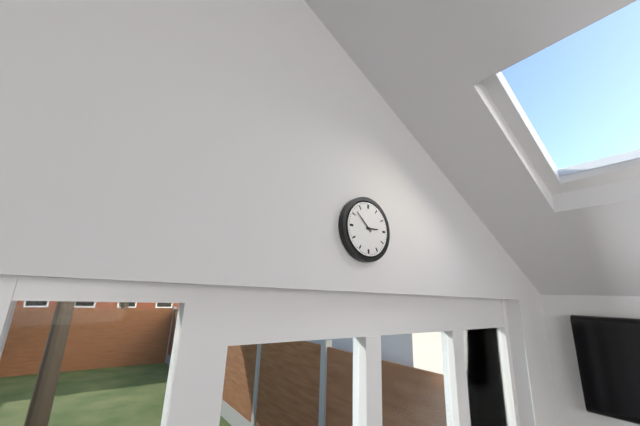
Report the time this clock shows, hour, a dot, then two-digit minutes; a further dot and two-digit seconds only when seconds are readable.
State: 2.52
